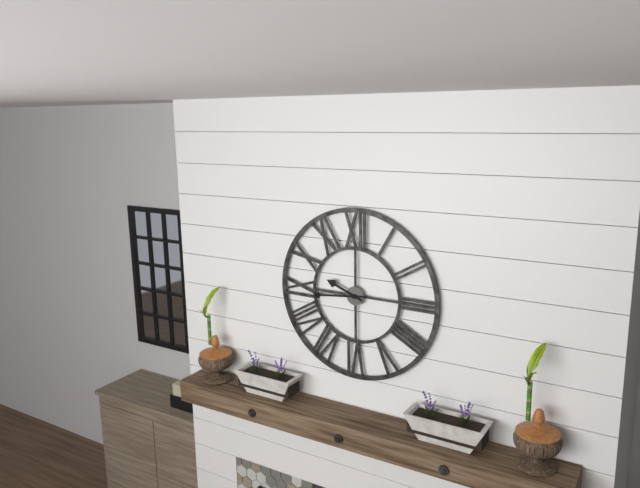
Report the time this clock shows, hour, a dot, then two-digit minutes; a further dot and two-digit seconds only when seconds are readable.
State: 9.44
